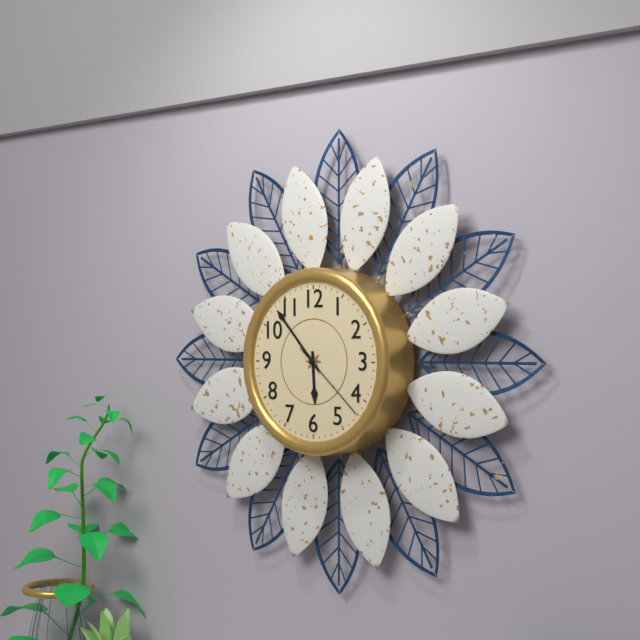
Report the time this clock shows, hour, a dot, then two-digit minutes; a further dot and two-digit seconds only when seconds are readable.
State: 5.53.22
